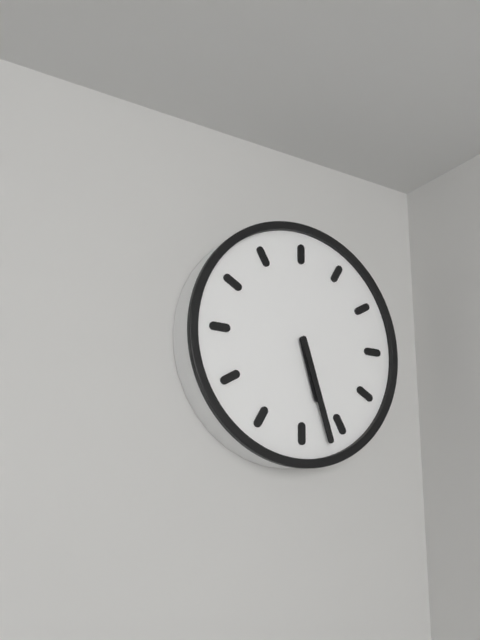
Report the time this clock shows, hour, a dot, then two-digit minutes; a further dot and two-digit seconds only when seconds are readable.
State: 5.27
